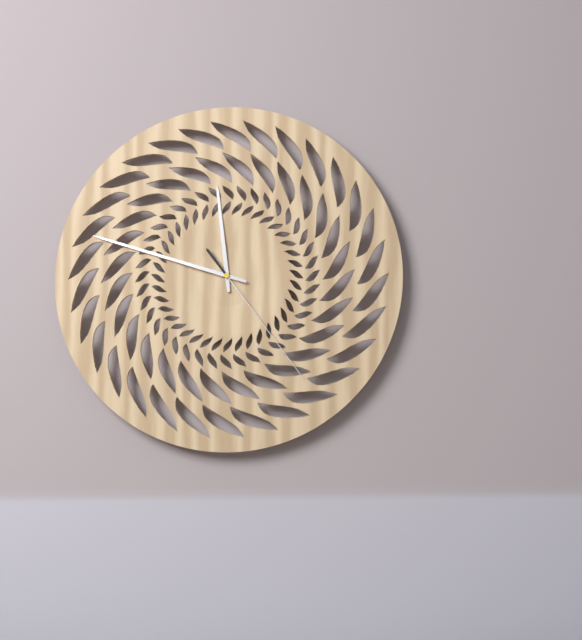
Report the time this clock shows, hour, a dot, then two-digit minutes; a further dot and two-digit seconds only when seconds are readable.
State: 11.48.24
